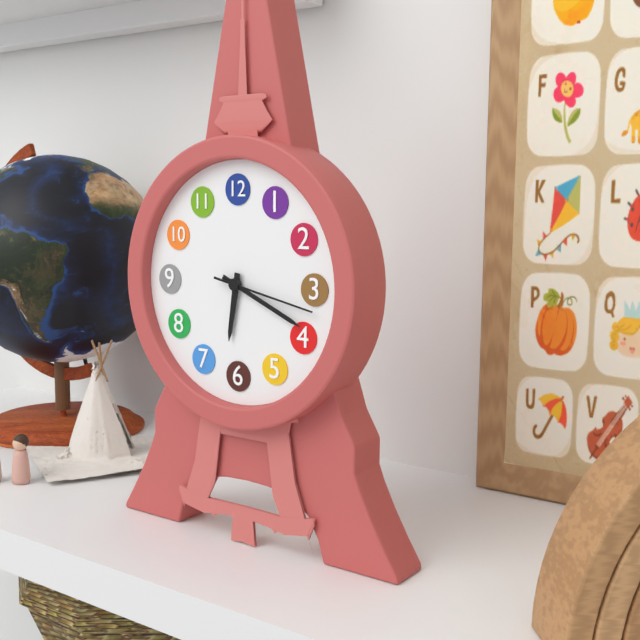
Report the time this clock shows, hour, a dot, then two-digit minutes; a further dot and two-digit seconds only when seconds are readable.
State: 6.19.17
